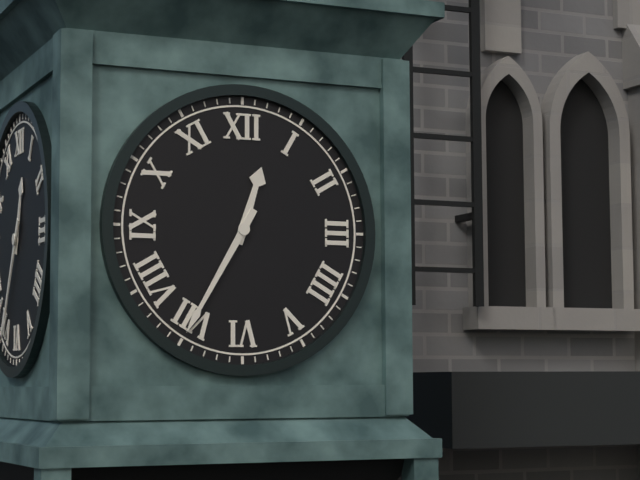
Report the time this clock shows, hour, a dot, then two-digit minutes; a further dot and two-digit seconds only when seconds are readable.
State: 12.35
